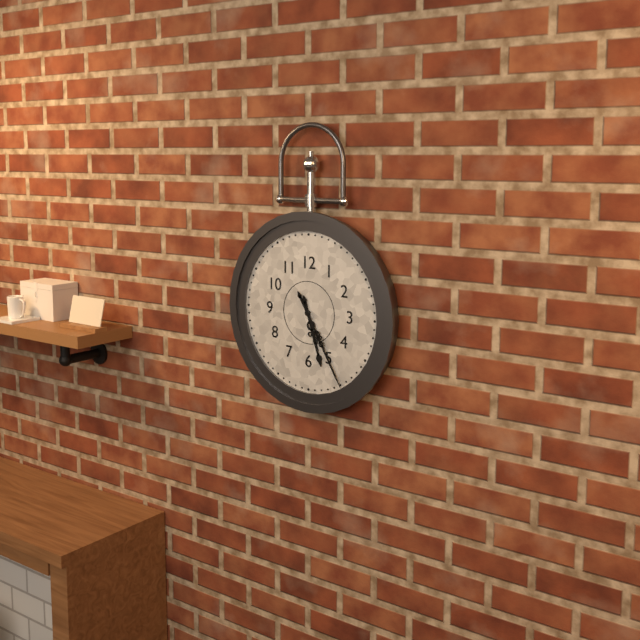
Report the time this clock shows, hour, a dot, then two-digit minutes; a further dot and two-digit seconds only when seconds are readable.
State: 5.25
